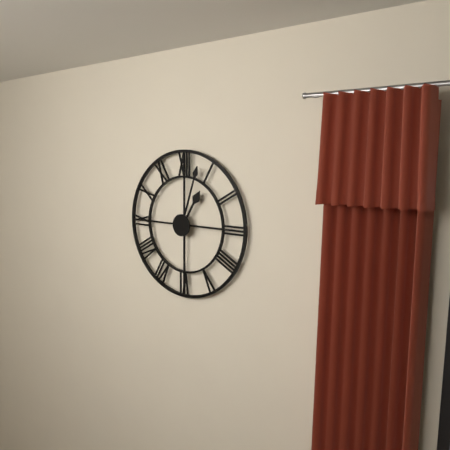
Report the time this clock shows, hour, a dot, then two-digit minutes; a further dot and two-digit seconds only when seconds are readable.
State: 1.03
